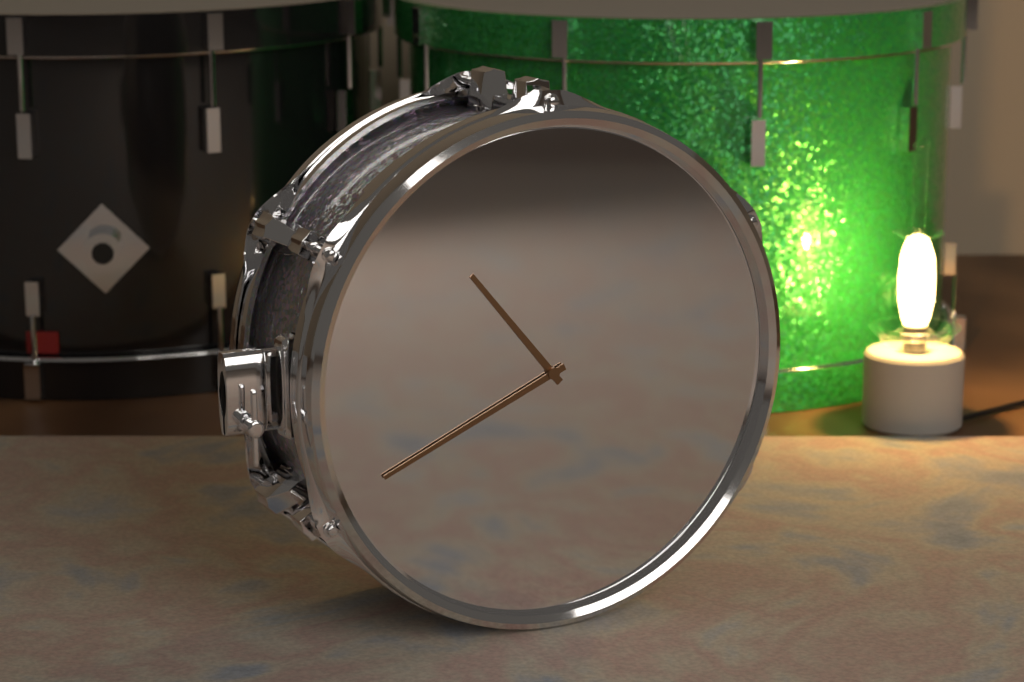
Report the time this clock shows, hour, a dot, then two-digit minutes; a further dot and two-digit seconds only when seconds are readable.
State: 10.41
